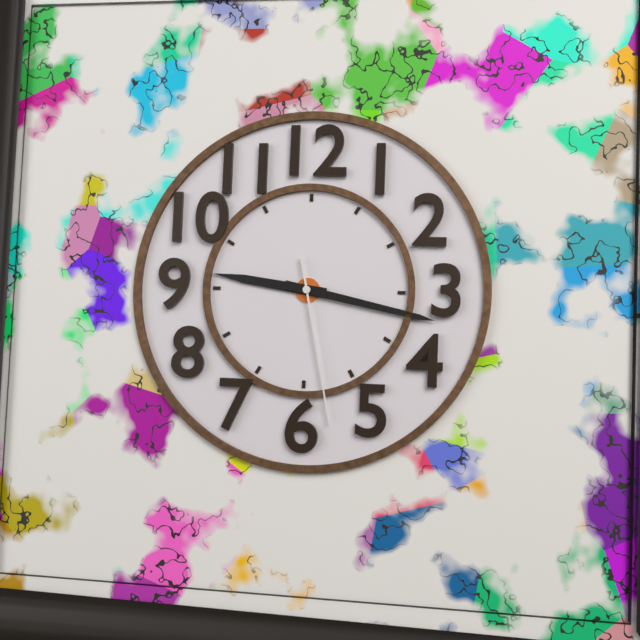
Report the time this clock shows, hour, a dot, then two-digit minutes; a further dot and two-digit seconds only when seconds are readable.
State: 9.17.28
